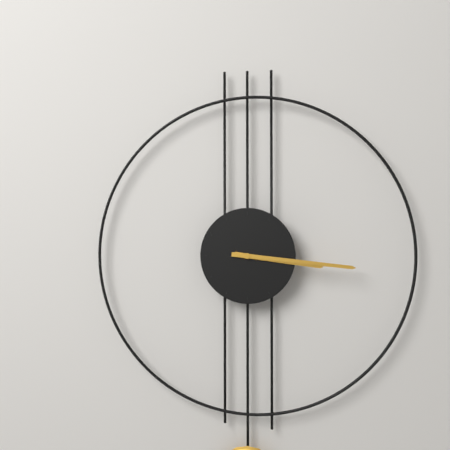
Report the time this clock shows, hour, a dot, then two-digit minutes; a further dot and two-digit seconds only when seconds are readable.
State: 3.16
